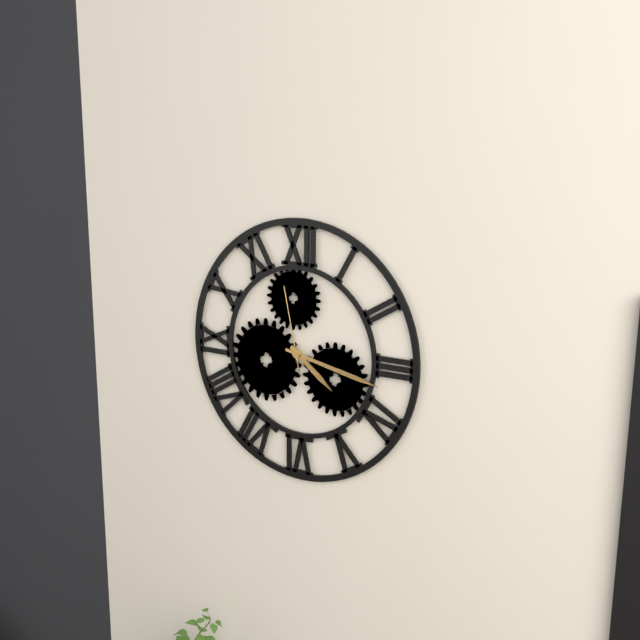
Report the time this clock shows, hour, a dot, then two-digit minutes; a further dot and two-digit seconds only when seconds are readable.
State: 4.17.58
